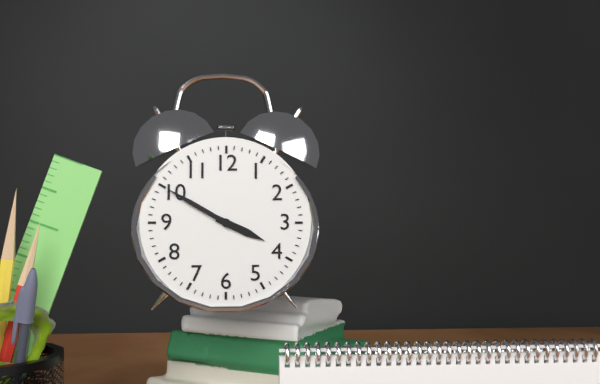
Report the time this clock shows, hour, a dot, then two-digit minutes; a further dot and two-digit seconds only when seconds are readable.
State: 3.50
